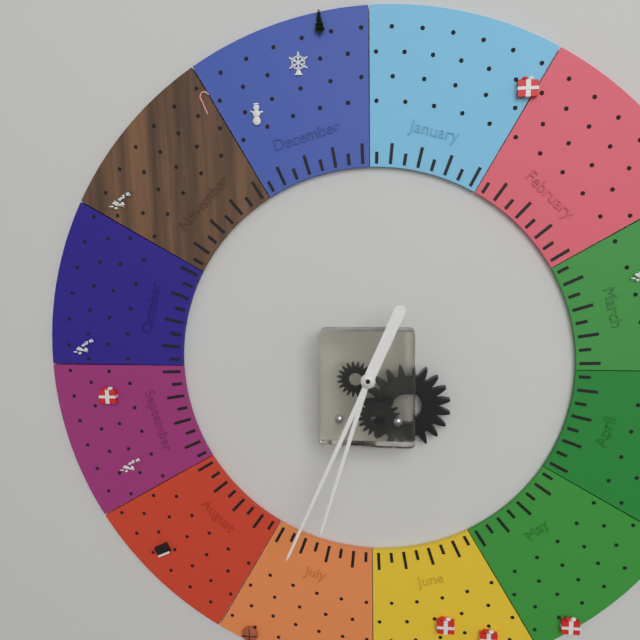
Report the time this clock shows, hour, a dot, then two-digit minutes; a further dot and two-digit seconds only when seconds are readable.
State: 6.34
